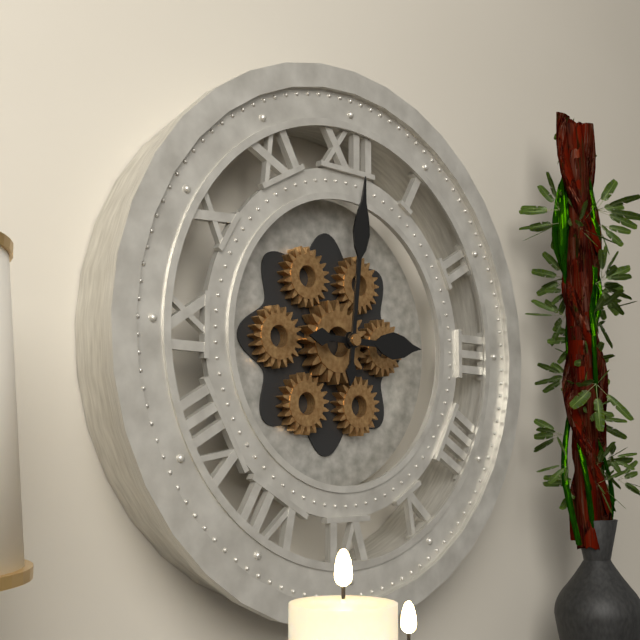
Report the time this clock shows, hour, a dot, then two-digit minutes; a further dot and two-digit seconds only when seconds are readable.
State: 3.01
